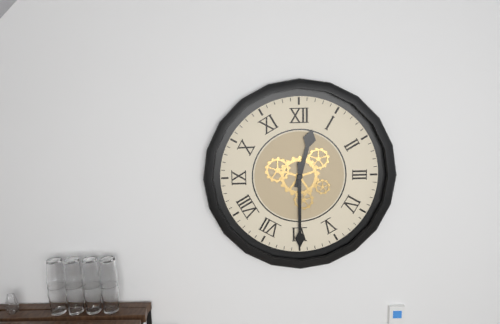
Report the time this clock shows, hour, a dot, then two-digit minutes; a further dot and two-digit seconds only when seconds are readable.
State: 12.30
